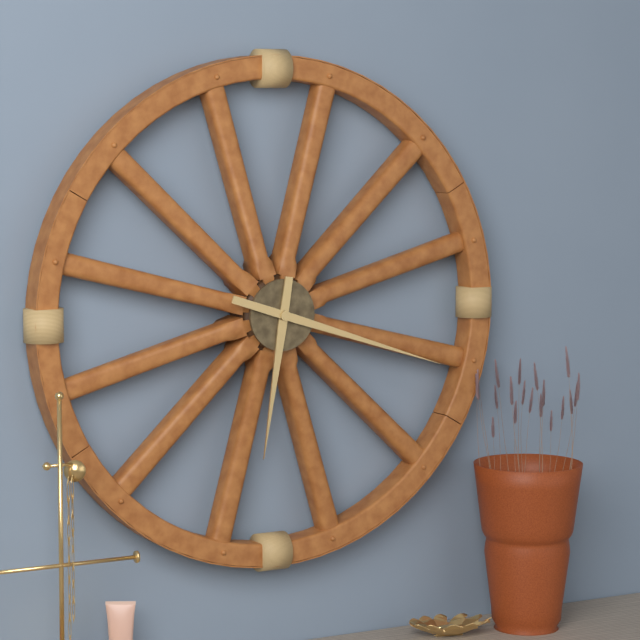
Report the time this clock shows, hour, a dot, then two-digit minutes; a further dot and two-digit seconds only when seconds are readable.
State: 6.18
